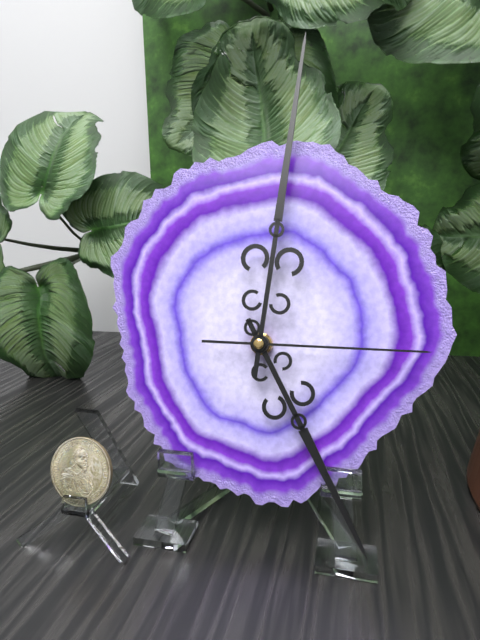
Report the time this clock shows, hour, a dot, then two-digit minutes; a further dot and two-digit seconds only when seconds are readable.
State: 5.01.15
